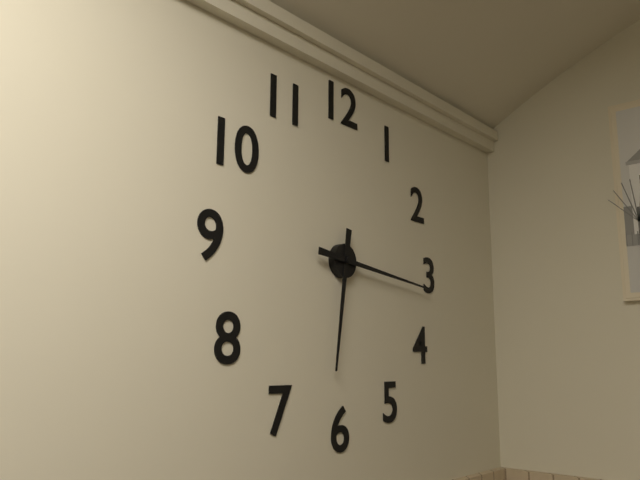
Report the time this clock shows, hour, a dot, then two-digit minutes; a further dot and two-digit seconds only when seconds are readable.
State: 6.16
